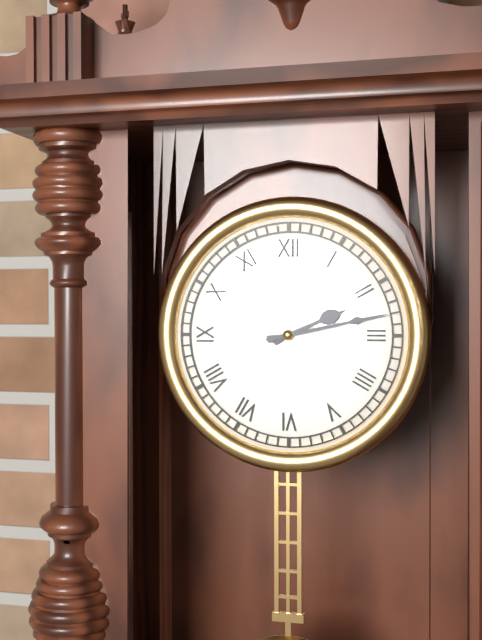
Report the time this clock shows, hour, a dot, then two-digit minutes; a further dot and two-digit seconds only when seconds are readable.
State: 2.13
